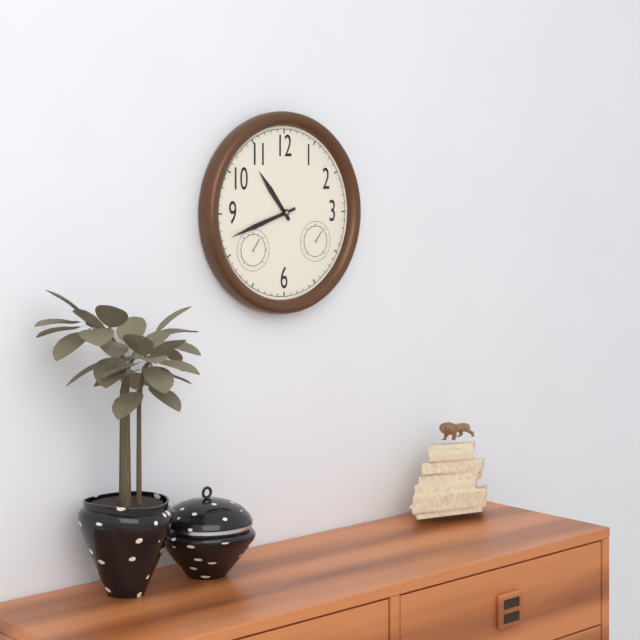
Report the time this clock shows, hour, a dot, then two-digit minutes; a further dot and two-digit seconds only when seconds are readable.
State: 10.42
